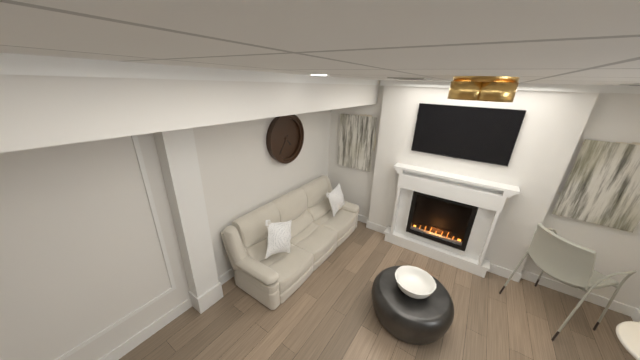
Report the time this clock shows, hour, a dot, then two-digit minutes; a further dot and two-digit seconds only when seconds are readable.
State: 4.36
